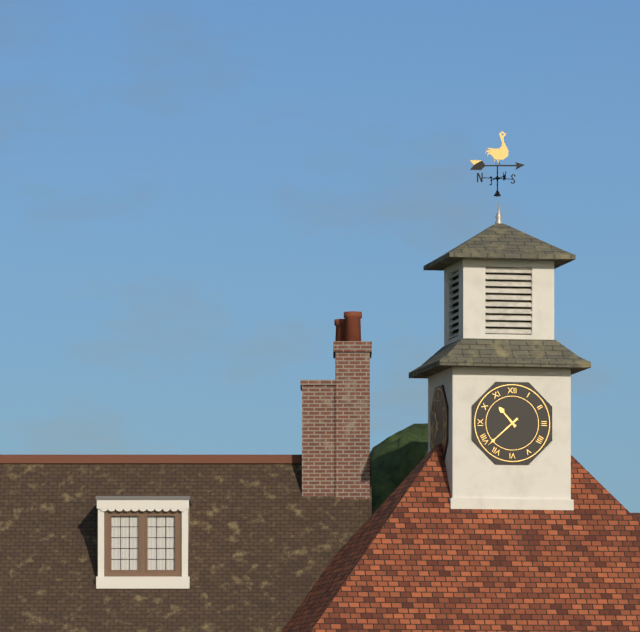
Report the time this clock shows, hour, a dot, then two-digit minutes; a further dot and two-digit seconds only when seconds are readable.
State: 10.38
